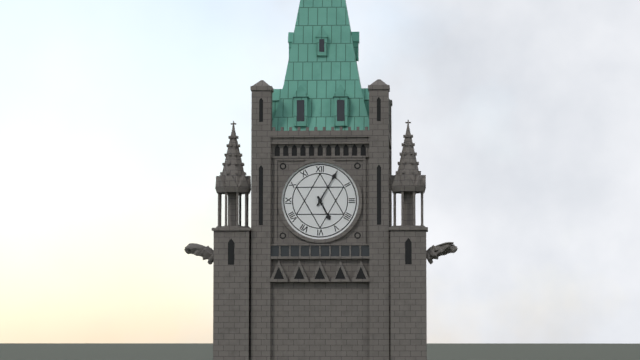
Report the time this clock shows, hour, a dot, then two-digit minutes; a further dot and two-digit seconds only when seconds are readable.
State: 5.05
